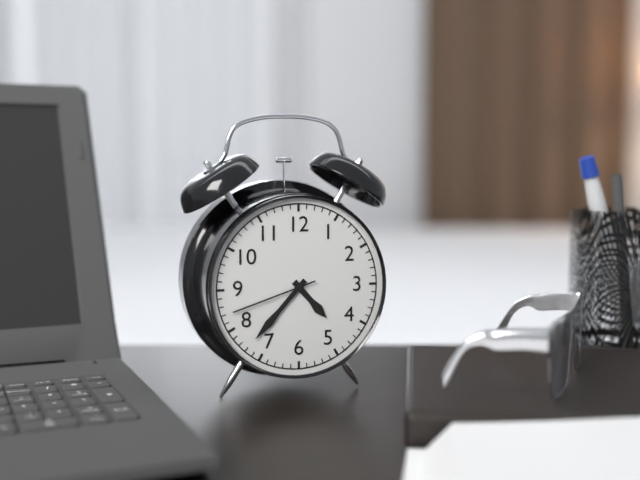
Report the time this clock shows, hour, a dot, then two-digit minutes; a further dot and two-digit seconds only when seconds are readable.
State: 4.37.42
